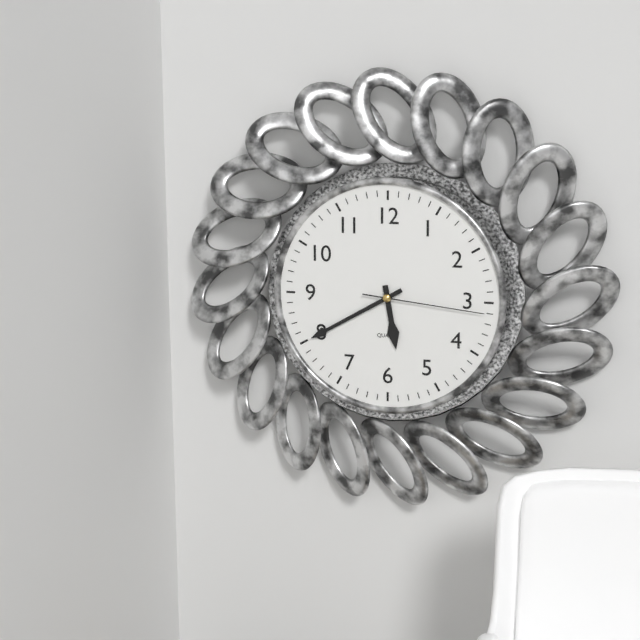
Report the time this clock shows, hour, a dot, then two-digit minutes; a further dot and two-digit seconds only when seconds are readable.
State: 5.40.16
